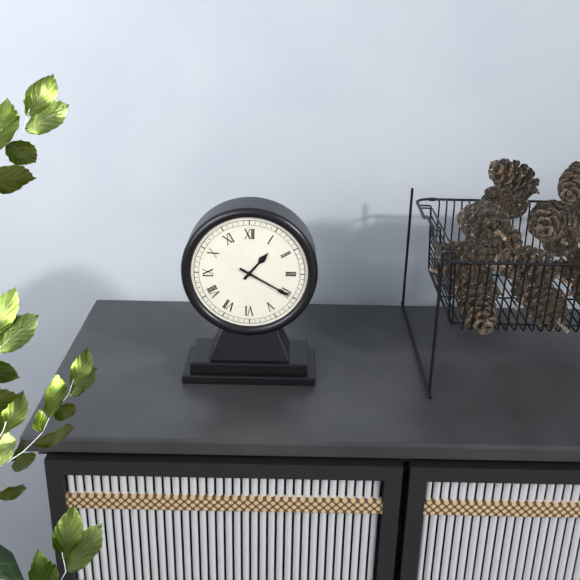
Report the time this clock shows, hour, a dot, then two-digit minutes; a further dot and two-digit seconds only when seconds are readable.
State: 1.20
